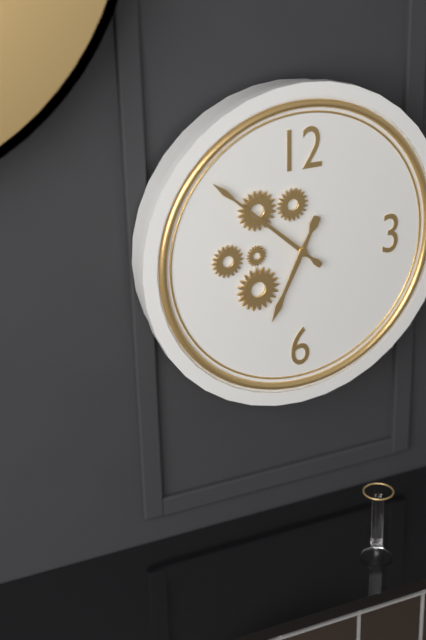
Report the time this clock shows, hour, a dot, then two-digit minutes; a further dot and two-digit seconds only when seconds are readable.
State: 6.52
